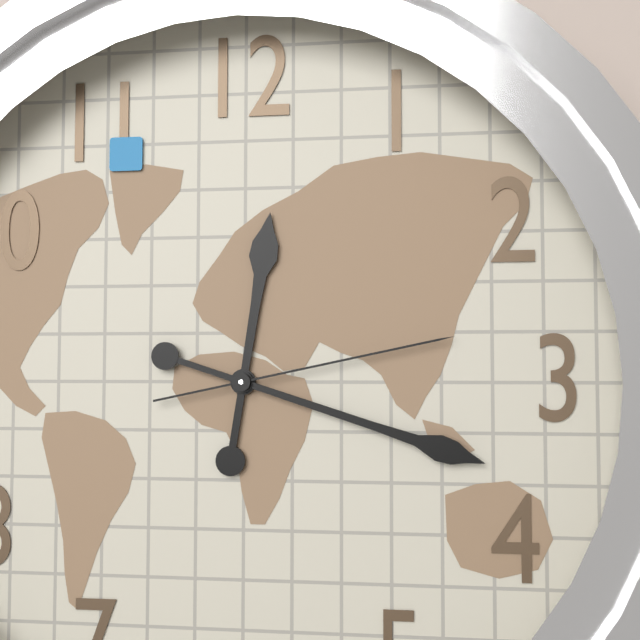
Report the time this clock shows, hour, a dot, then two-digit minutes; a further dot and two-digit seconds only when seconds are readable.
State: 12.18.13
